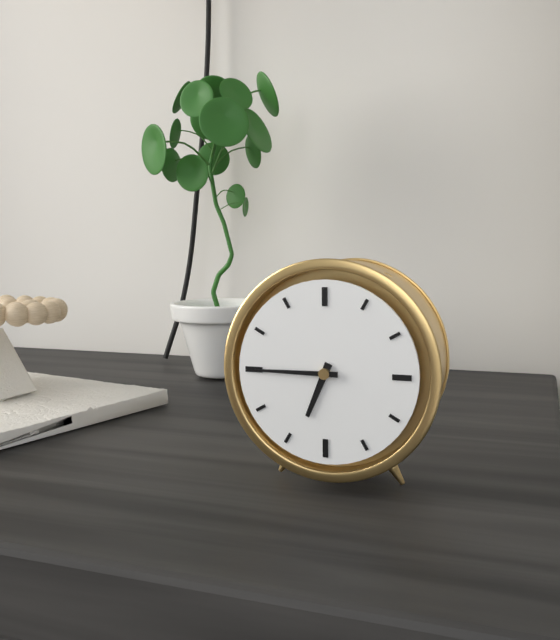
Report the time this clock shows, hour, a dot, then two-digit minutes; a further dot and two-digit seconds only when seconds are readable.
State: 6.45
